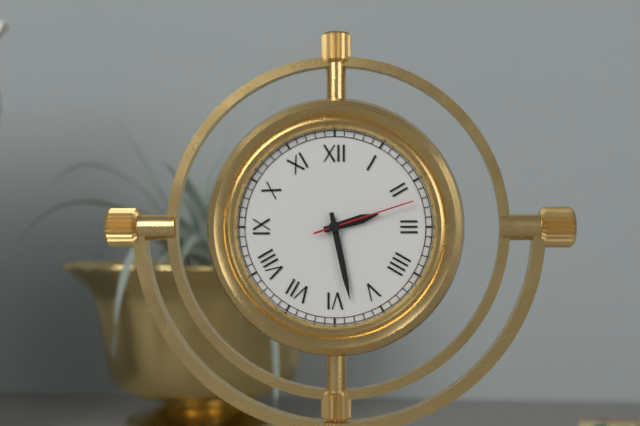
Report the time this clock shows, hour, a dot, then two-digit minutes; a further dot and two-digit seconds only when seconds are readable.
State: 2.28.12
